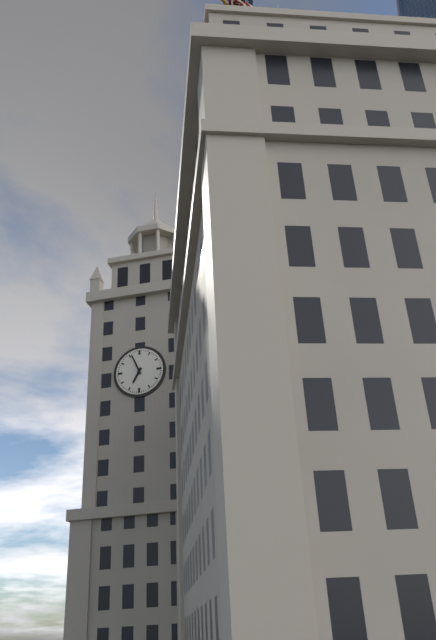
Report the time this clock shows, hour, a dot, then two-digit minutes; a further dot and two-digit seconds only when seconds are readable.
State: 6.56
